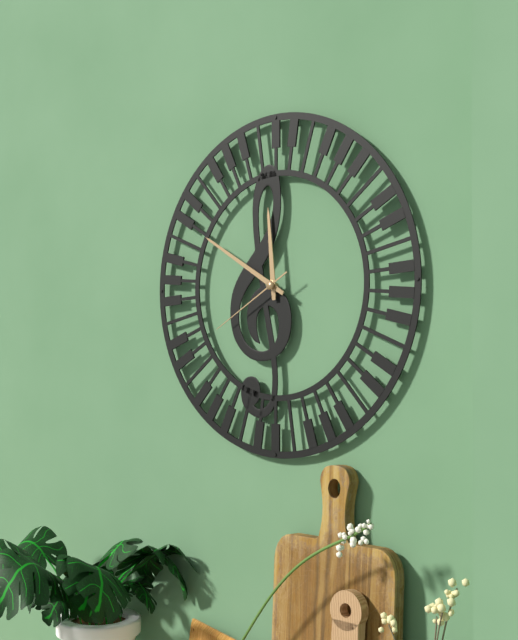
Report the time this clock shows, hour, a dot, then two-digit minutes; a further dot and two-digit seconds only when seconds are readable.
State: 11.50.40
